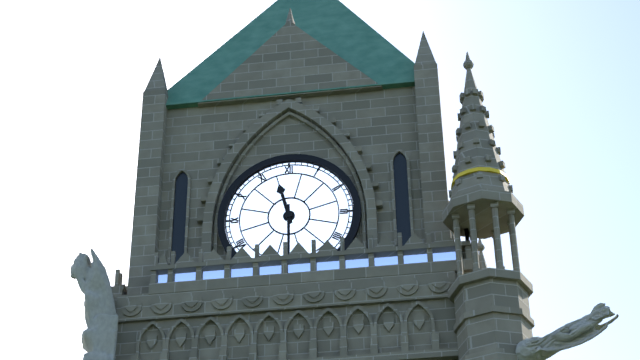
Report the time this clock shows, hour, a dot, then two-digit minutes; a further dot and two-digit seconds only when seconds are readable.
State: 11.30
